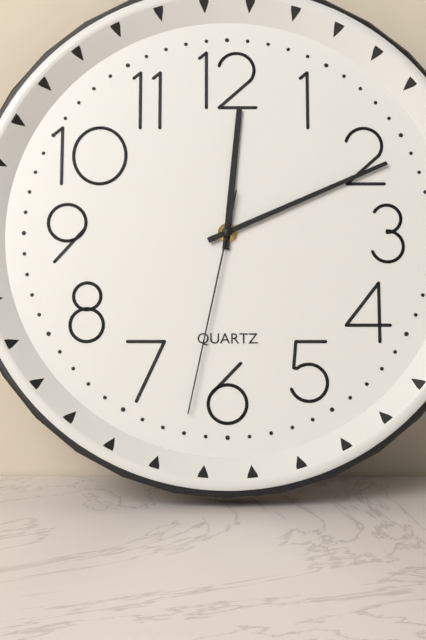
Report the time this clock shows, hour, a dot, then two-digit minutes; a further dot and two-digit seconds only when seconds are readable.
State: 12.11.32
